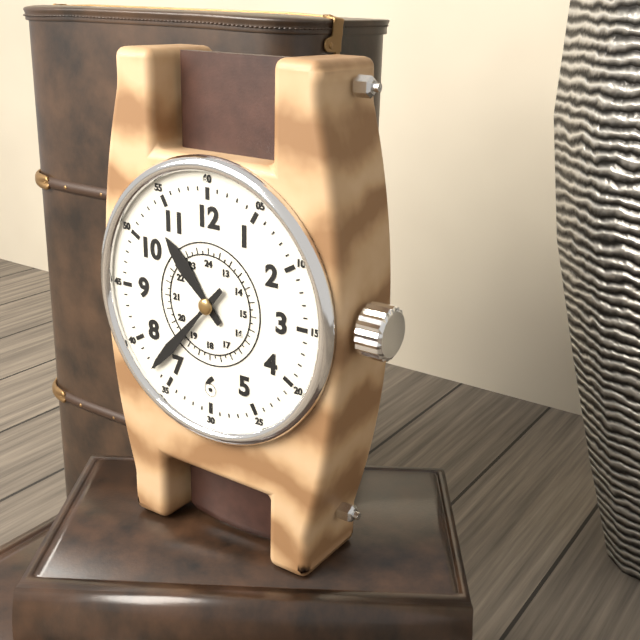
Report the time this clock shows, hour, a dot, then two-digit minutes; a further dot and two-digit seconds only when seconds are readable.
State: 10.37
